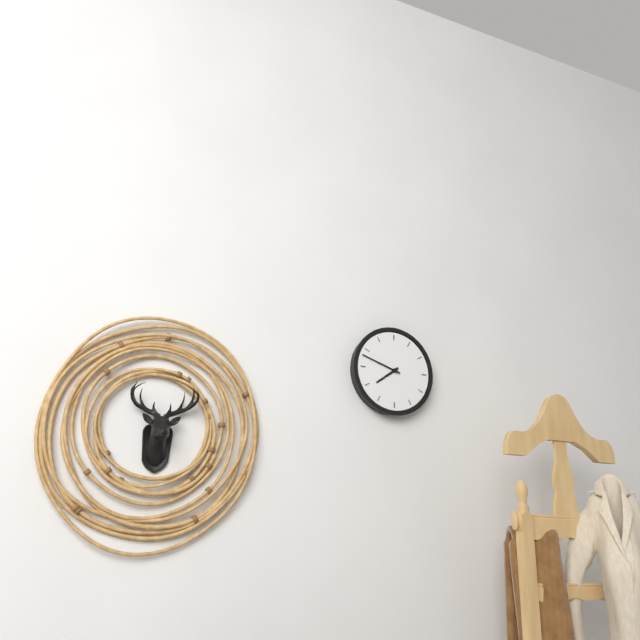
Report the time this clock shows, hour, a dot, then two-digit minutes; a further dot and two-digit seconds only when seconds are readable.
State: 7.48
